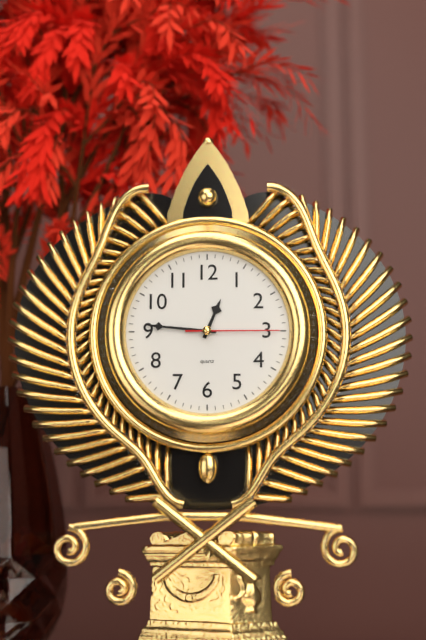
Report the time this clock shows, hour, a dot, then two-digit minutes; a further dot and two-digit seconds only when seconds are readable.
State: 12.46.15
